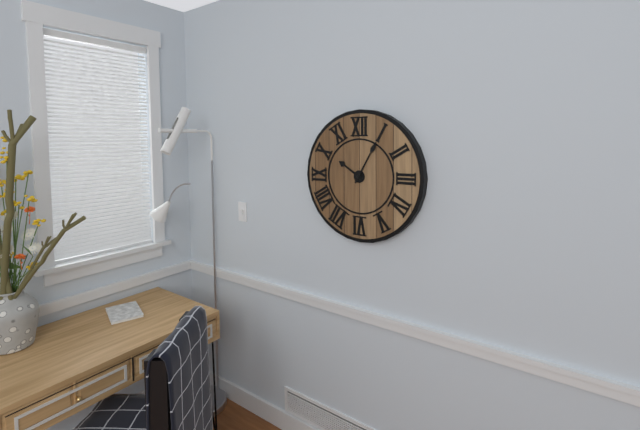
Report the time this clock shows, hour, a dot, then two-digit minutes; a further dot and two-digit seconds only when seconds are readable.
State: 10.05
